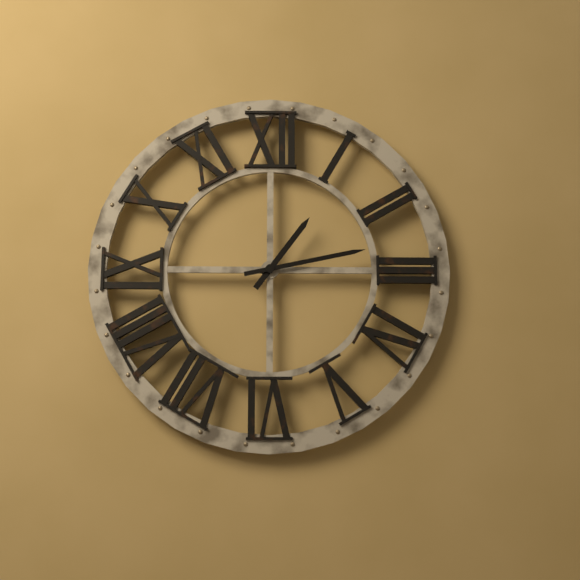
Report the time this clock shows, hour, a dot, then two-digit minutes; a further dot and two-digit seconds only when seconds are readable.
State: 1.13
